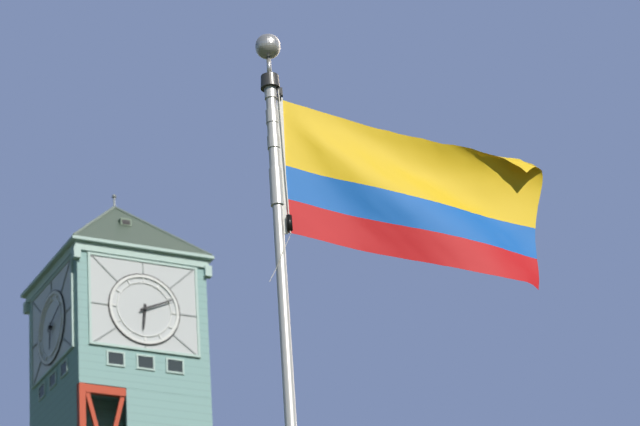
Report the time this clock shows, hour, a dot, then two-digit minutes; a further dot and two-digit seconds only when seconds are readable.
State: 6.11
